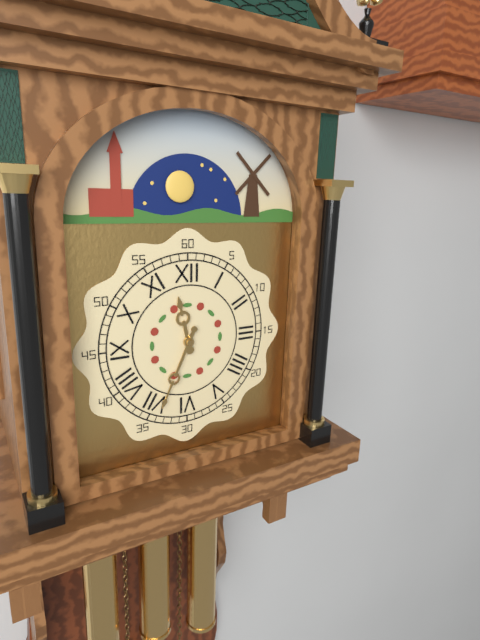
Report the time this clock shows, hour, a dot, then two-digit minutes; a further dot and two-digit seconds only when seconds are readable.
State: 11.34
